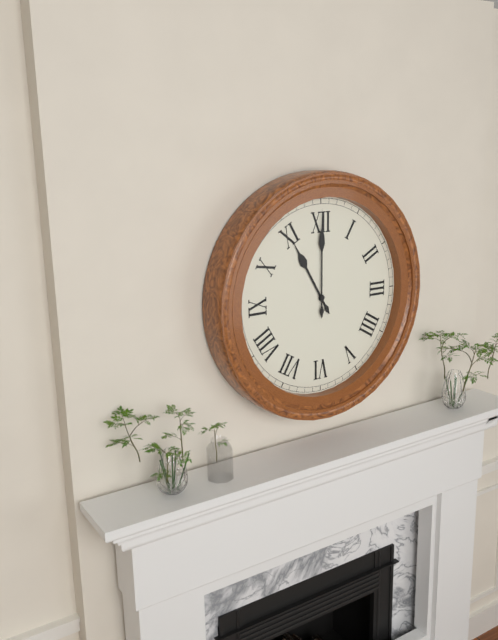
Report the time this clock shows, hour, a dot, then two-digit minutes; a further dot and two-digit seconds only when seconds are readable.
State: 11.00
